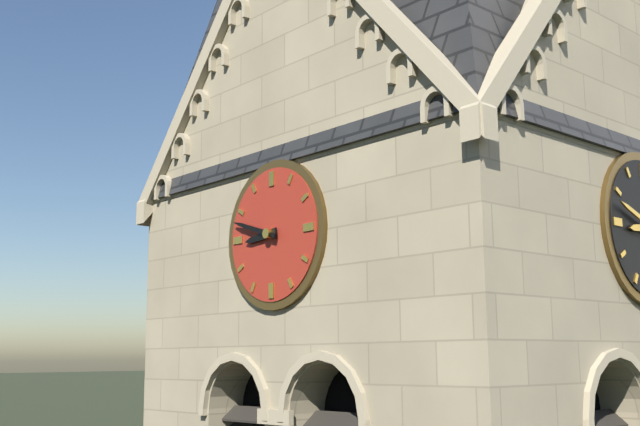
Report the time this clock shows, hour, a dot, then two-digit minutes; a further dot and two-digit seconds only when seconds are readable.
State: 8.48
